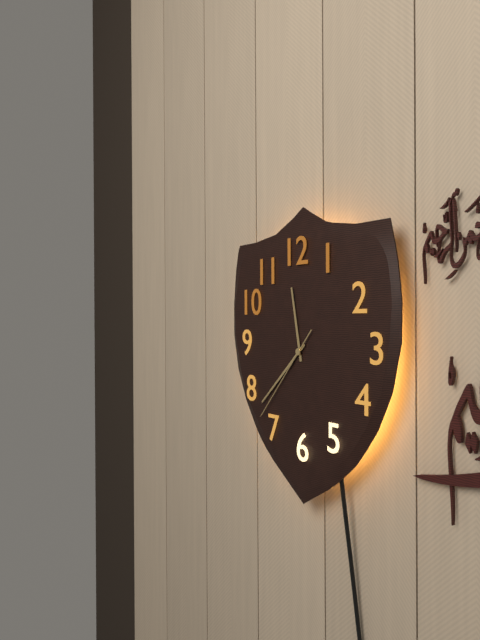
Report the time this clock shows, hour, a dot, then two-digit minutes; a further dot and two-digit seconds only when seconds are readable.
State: 11.38.37
